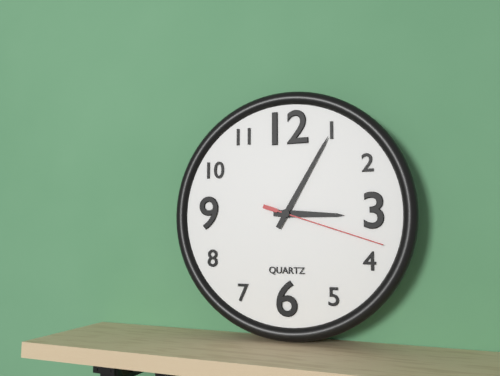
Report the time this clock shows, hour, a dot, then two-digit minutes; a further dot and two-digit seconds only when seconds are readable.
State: 3.05.18
